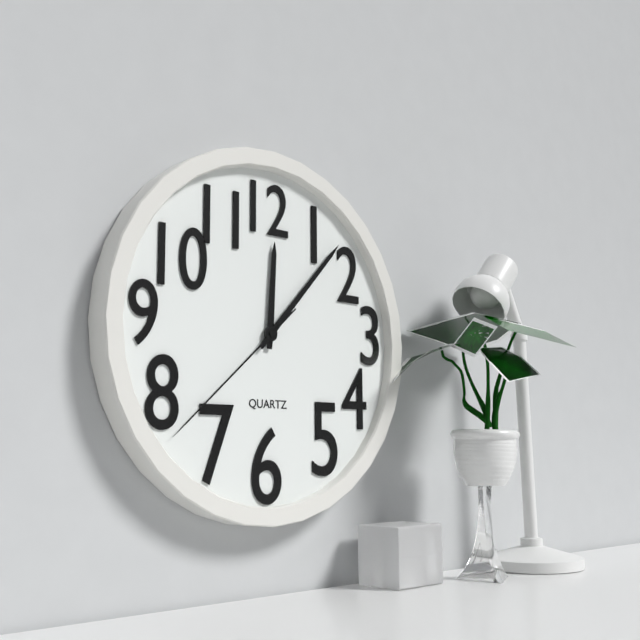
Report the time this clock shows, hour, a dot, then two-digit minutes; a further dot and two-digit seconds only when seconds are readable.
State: 12.07.38
